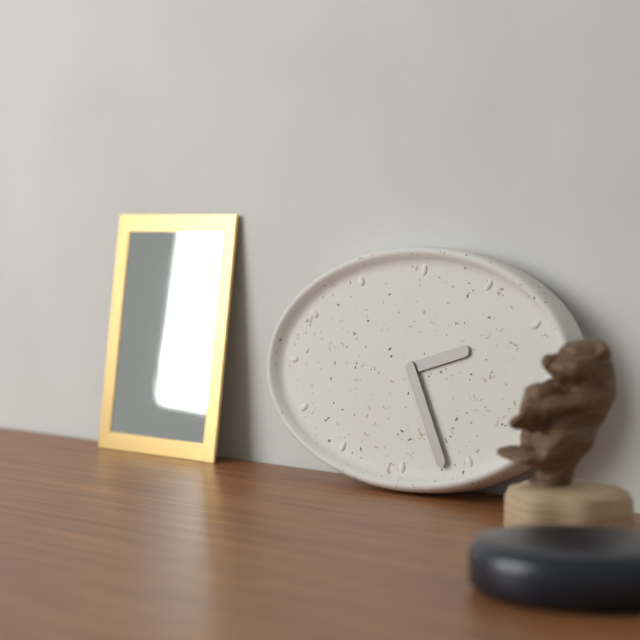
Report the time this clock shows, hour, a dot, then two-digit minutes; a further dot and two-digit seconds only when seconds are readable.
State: 2.25
